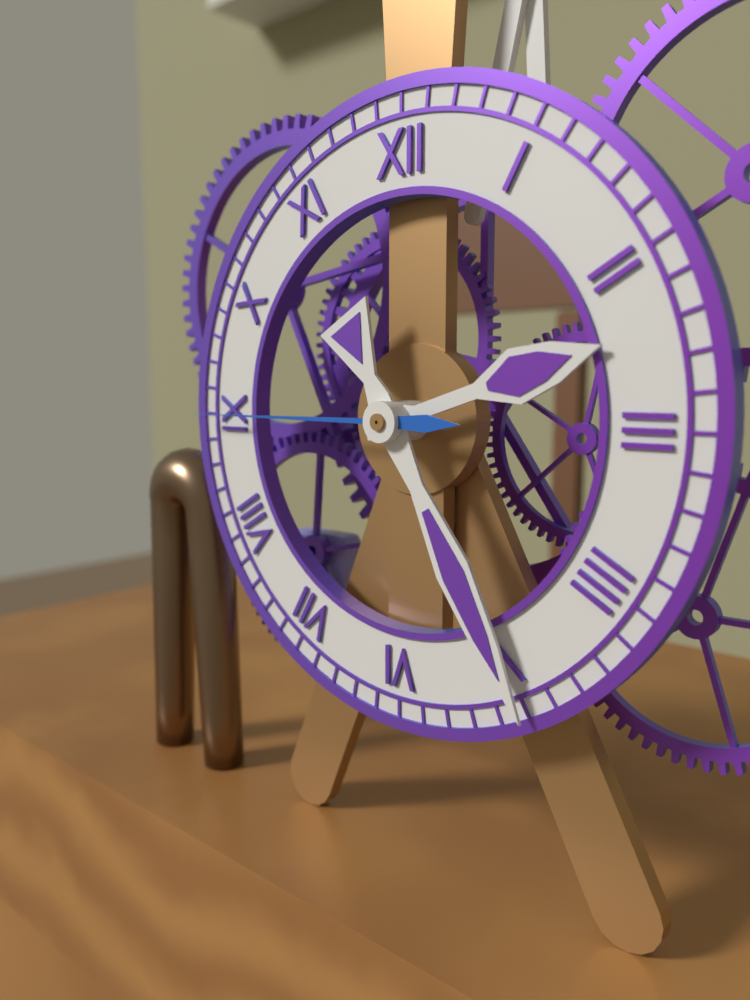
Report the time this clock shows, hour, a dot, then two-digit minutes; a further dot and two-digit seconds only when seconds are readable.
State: 2.25.45
